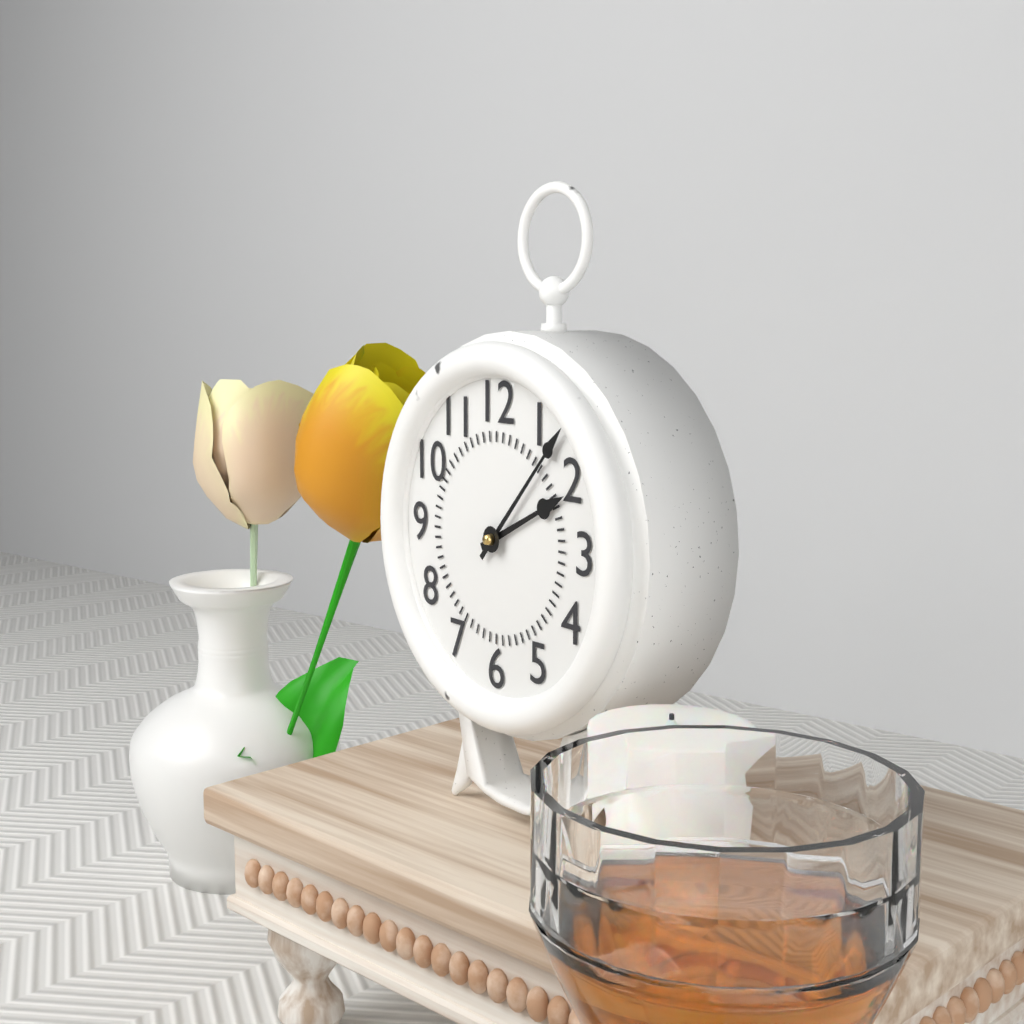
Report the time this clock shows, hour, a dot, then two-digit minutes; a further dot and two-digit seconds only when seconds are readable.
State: 2.07
